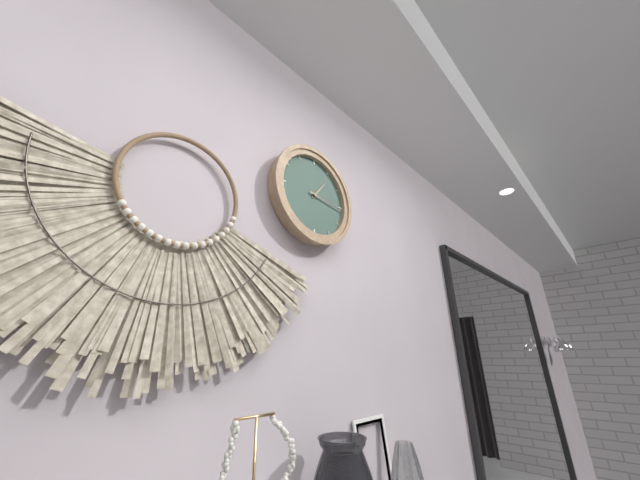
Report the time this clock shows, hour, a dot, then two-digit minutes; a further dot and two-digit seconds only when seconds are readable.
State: 1.16
